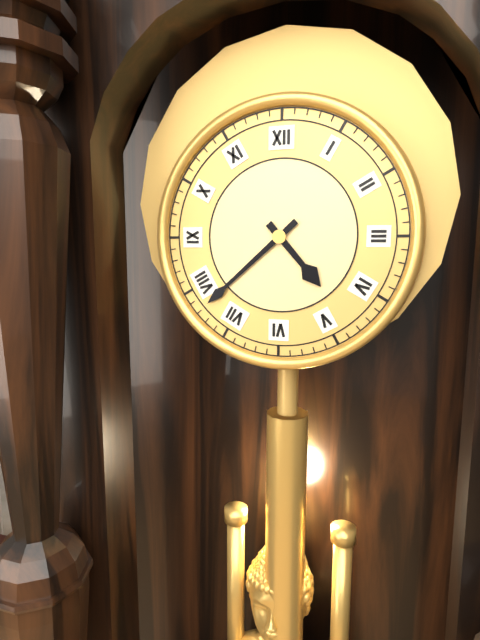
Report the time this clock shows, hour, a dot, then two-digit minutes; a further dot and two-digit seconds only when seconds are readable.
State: 4.38
